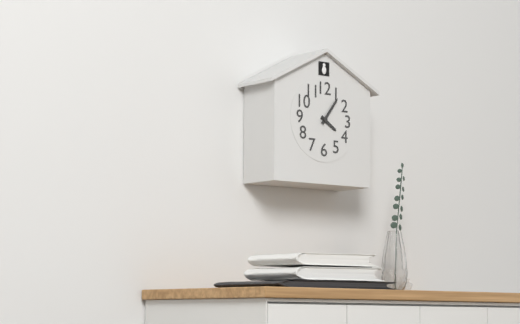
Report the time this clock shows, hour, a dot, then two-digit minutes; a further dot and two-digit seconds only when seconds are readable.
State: 4.06
